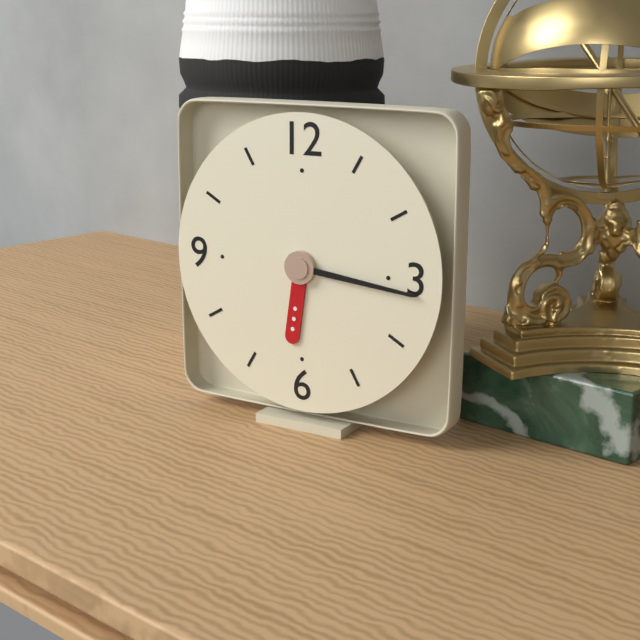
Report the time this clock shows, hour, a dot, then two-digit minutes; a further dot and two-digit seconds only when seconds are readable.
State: 6.16
